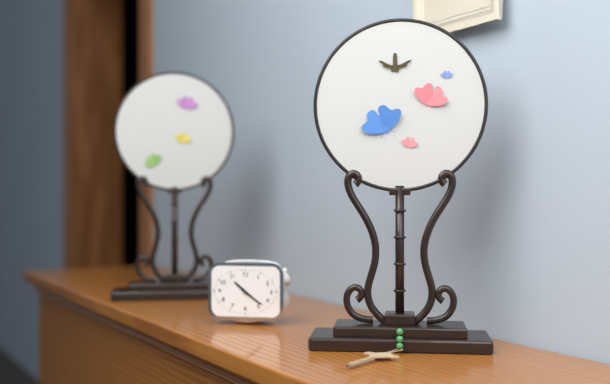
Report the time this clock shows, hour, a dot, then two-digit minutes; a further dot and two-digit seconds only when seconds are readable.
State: 10.21
